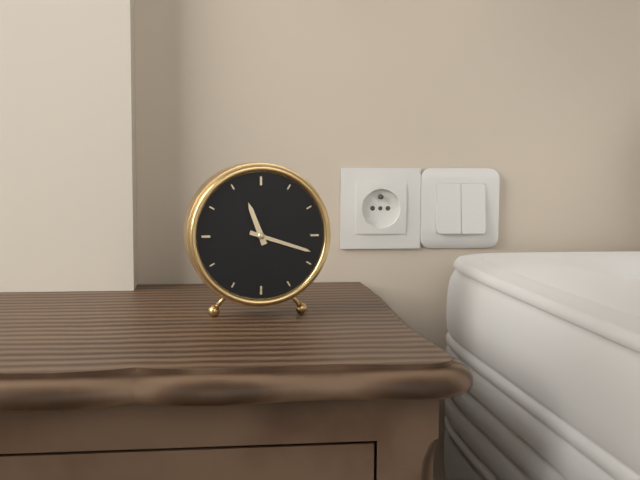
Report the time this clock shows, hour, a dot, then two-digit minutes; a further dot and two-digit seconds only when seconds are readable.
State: 11.18
